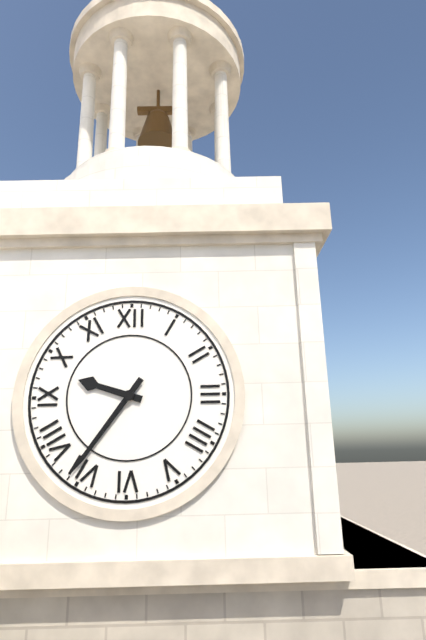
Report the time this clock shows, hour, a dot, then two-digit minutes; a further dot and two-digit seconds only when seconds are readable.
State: 9.36
